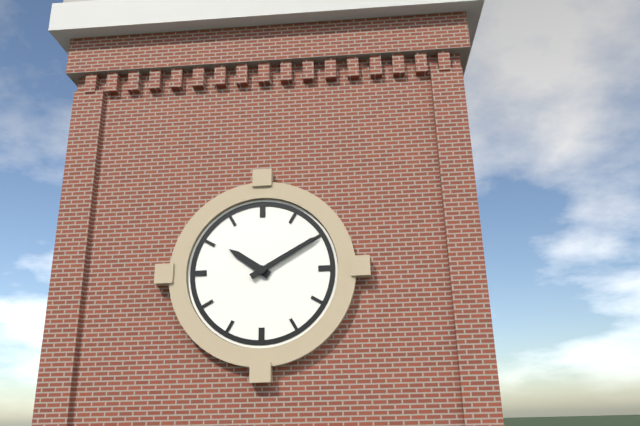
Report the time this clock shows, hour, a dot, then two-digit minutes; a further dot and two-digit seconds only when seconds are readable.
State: 10.10
